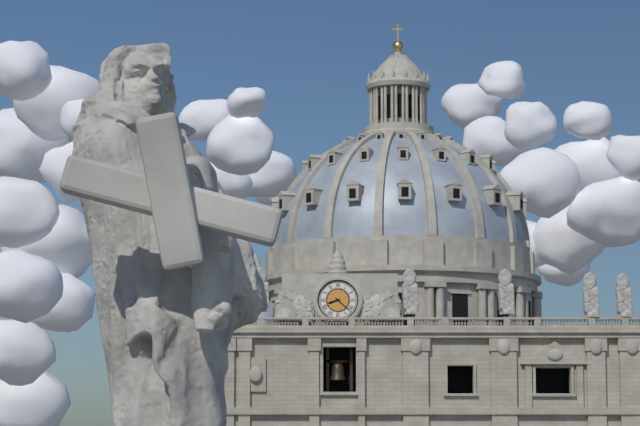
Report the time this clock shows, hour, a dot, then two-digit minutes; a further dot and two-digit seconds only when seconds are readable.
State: 8.22
